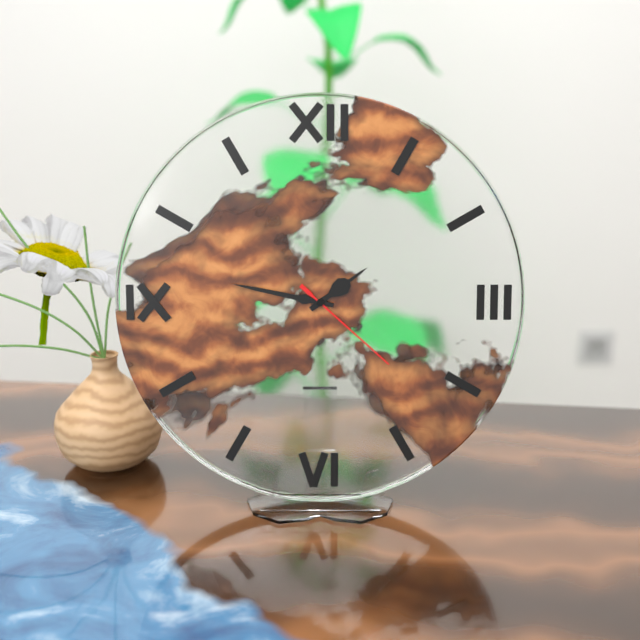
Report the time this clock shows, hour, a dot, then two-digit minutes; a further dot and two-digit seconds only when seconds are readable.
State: 1.47.22
